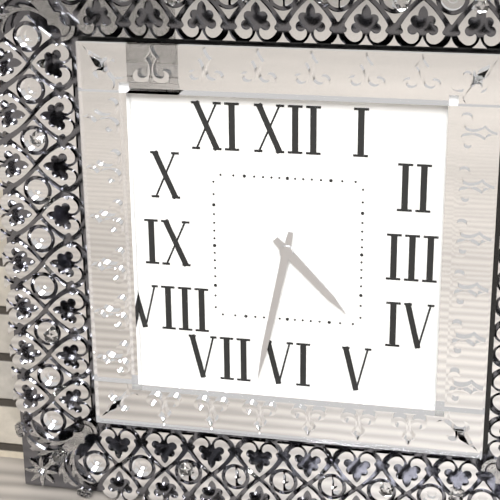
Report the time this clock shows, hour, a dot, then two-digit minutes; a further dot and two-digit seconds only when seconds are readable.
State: 4.32
